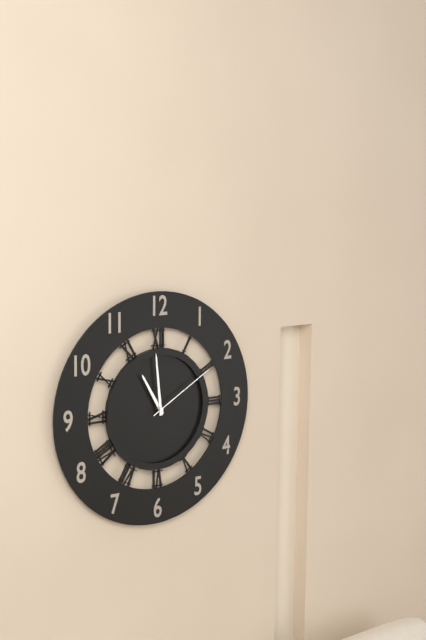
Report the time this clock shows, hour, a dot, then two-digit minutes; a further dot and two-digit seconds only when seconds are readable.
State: 10.59.10
